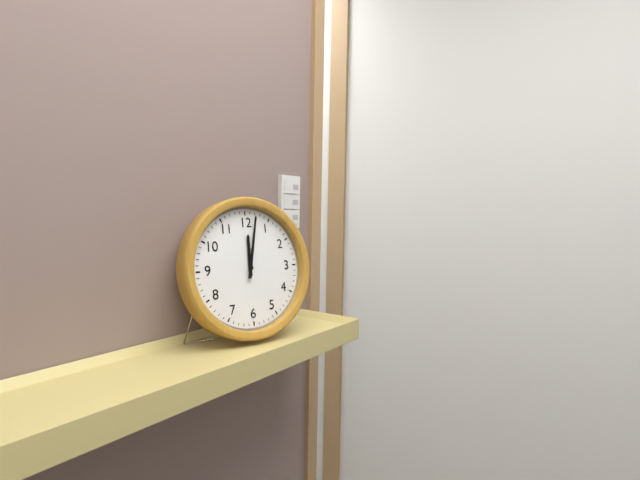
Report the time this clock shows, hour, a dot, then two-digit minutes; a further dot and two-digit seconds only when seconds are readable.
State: 12.02
